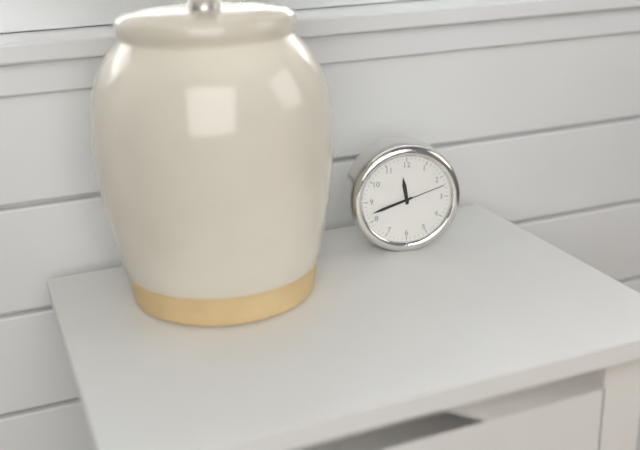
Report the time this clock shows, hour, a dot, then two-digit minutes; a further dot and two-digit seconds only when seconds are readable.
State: 11.42
